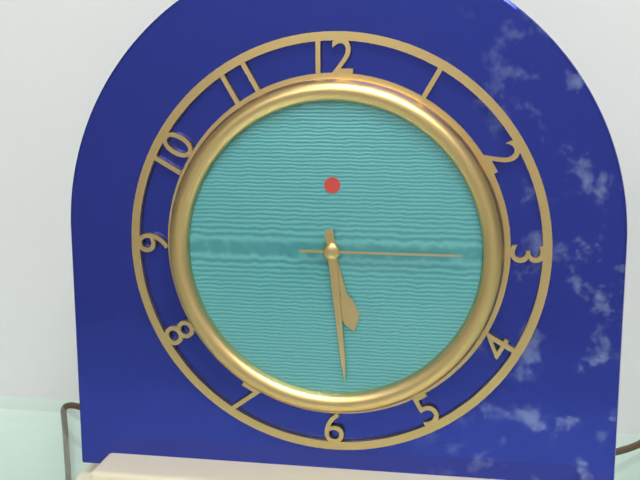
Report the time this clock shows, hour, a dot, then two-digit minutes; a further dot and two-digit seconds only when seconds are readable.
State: 5.29.15
